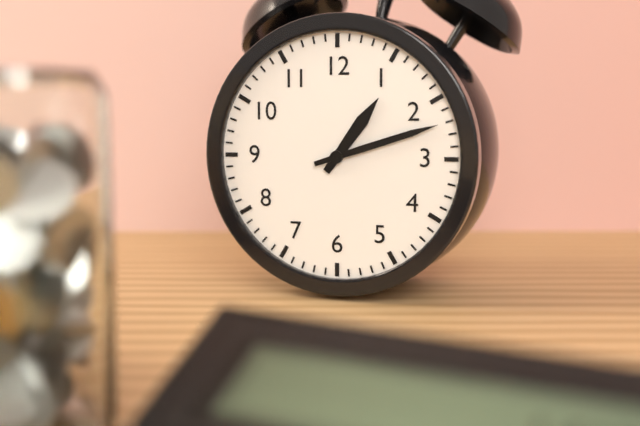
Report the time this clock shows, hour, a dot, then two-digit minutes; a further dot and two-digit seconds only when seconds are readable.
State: 1.12
